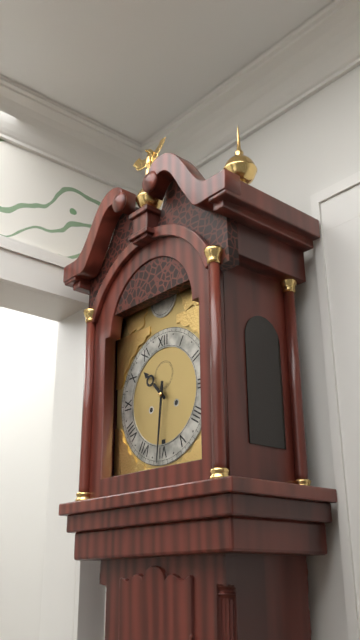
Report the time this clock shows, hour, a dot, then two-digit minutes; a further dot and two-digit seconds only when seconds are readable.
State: 10.31
